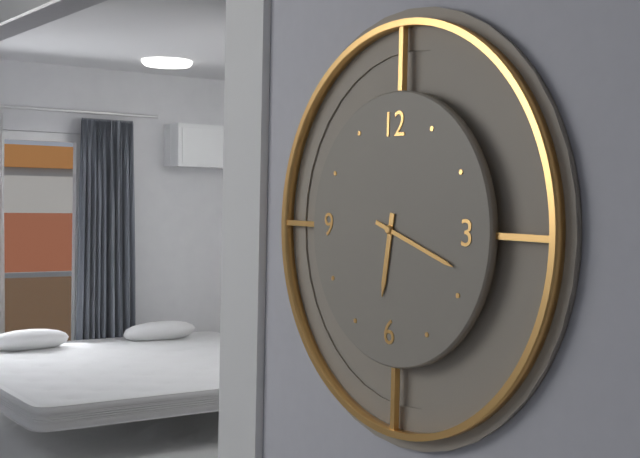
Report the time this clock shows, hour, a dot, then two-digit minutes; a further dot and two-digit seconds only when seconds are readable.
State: 6.18
